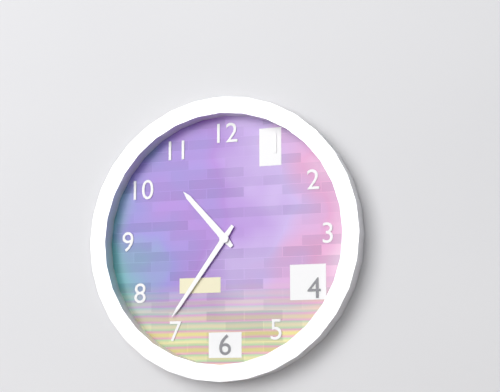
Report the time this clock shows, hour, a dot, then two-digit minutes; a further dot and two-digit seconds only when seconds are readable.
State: 10.36
